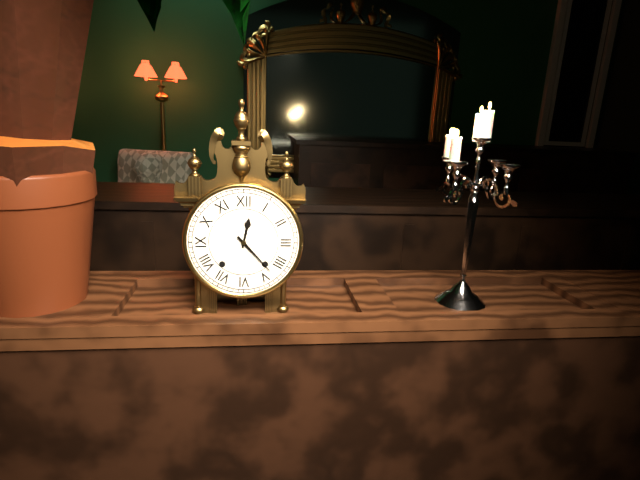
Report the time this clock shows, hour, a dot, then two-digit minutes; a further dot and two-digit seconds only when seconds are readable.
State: 12.23
